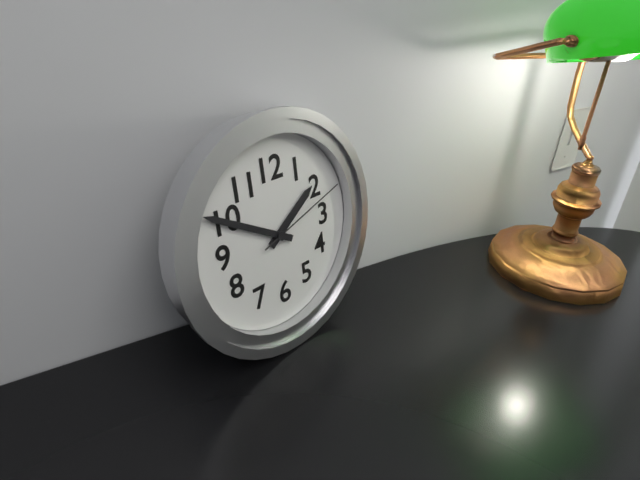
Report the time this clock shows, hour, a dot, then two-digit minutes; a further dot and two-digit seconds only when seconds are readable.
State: 1.50.12
